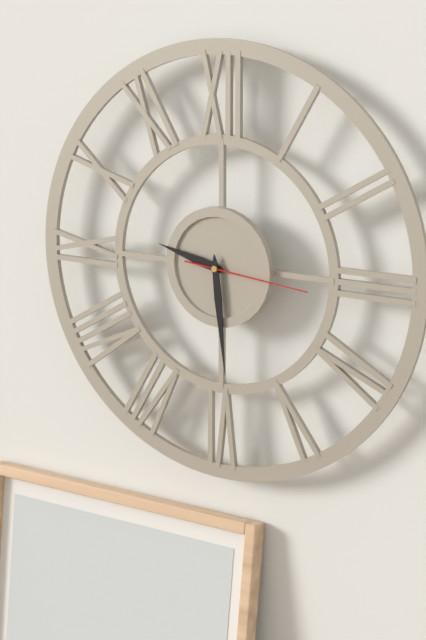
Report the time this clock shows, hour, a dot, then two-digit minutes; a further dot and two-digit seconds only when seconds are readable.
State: 9.29.16
